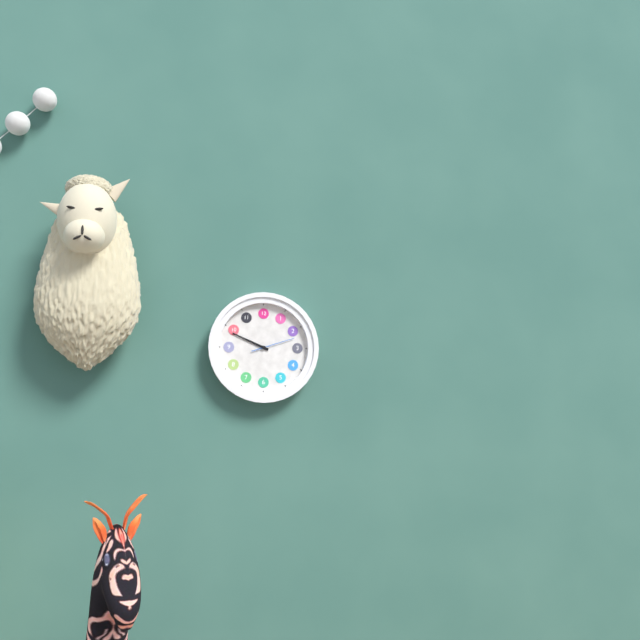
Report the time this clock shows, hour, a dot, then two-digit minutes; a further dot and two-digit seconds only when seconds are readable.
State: 9.49
